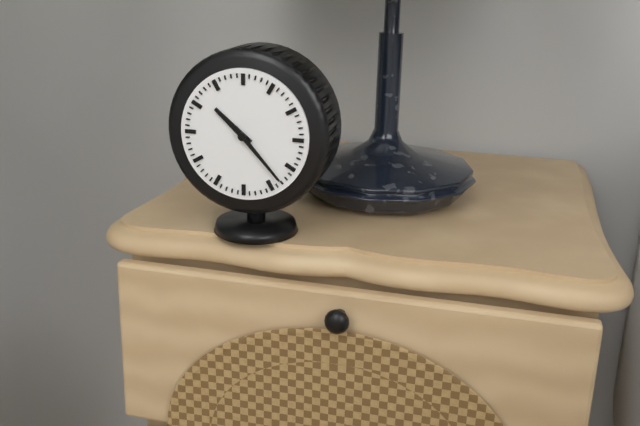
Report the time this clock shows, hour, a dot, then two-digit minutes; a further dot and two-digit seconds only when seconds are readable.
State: 10.23
